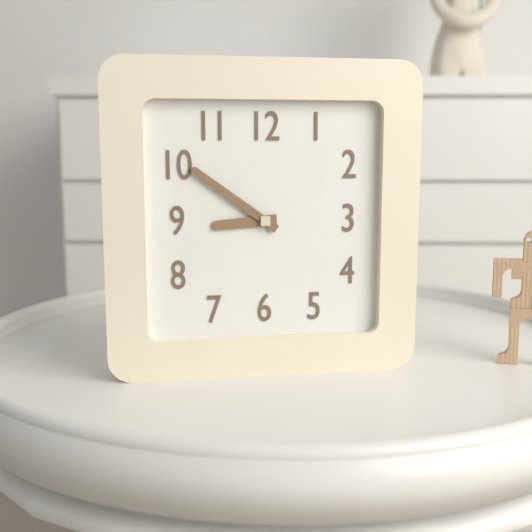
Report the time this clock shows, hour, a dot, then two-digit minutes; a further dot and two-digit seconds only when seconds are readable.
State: 8.51
